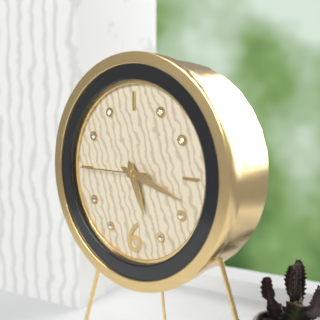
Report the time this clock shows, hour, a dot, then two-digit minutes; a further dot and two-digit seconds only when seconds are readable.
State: 5.18.45
